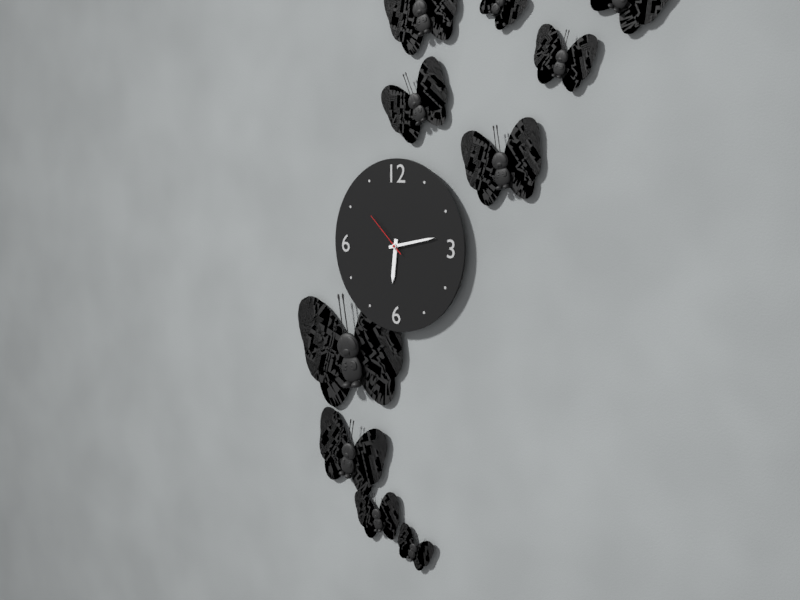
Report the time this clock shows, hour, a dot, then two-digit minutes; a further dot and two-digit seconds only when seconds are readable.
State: 6.13.52
